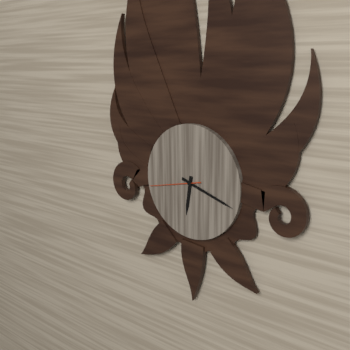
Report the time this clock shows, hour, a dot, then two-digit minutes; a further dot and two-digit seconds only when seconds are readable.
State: 6.18.43
